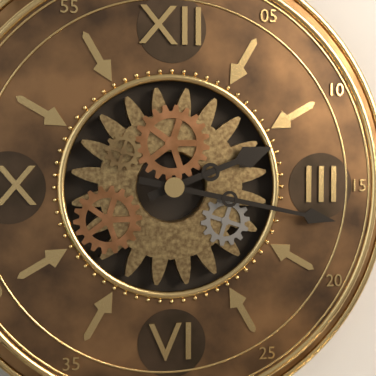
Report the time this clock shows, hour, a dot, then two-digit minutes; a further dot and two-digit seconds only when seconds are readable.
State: 2.17
